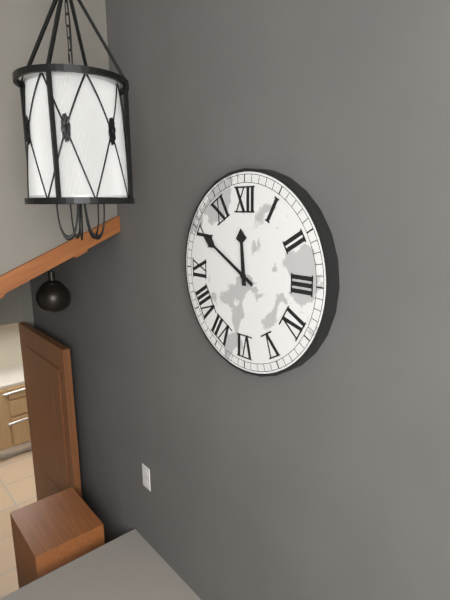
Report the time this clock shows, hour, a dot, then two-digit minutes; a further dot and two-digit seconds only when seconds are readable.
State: 11.50
